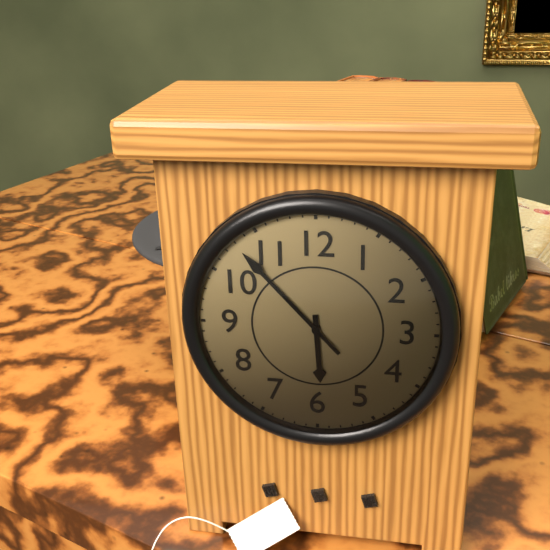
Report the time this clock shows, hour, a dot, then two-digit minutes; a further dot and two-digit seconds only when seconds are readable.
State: 5.53
